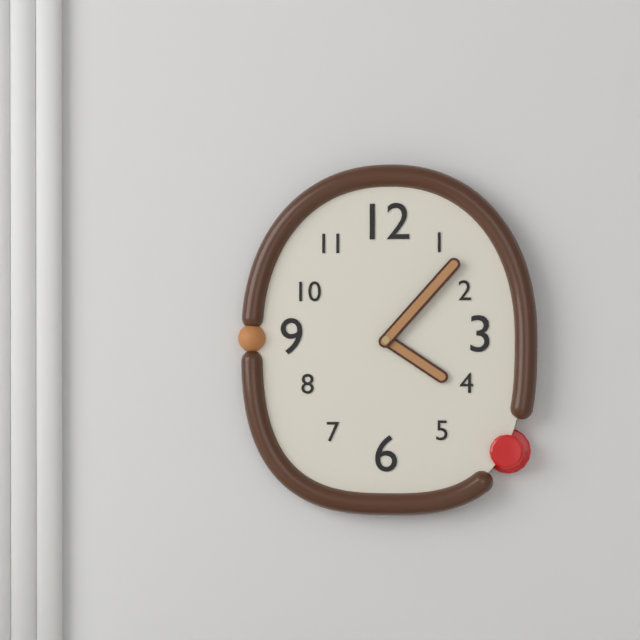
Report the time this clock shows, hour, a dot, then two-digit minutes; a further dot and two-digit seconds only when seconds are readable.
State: 4.07
